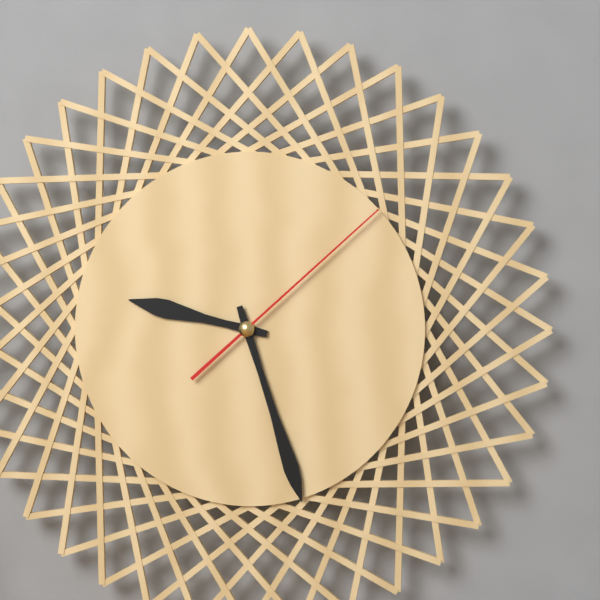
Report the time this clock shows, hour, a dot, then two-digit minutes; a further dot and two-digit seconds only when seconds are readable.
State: 9.27.08
